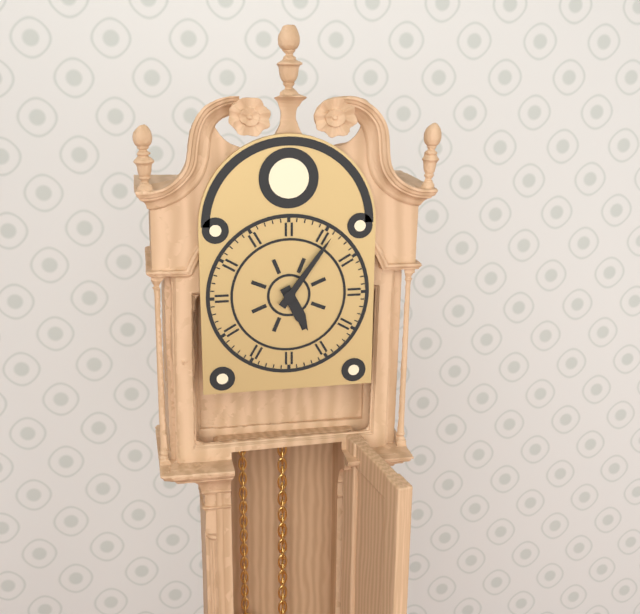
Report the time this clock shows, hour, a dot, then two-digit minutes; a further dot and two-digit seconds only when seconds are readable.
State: 5.06
